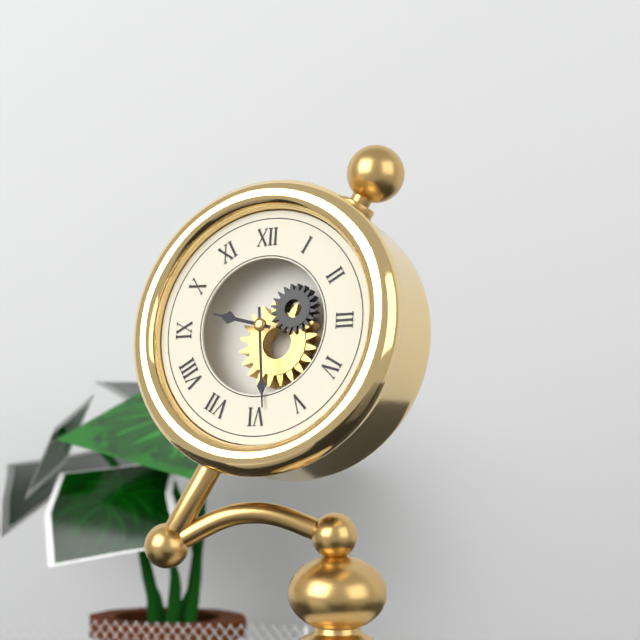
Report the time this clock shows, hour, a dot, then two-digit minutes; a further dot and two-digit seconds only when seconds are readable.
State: 9.29
